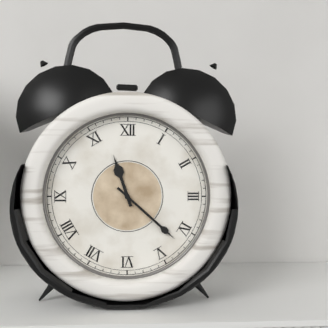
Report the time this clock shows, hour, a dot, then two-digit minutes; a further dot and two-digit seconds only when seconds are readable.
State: 11.22
